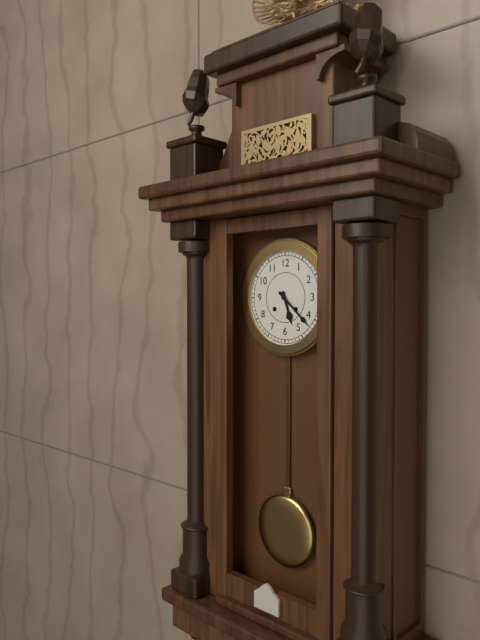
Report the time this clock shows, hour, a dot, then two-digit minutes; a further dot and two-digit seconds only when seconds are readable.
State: 5.22
